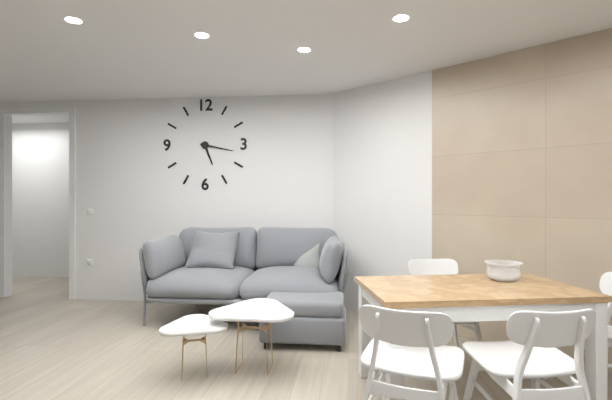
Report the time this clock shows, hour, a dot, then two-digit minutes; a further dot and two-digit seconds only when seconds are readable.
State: 5.17
